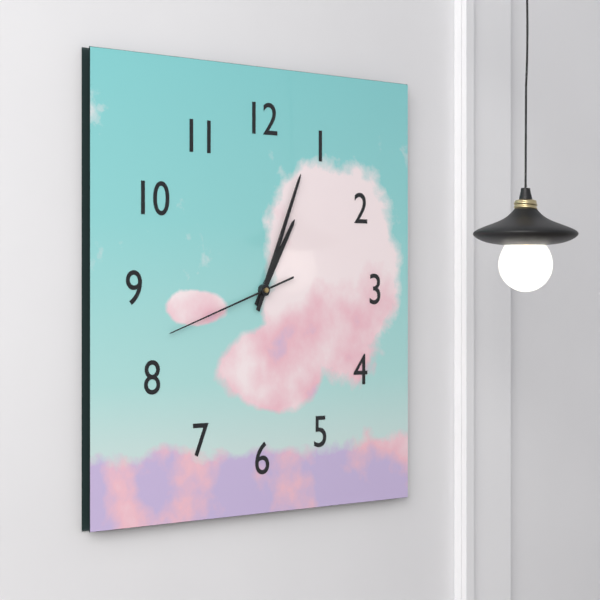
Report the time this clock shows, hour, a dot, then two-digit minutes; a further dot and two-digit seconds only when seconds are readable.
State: 1.04.42
